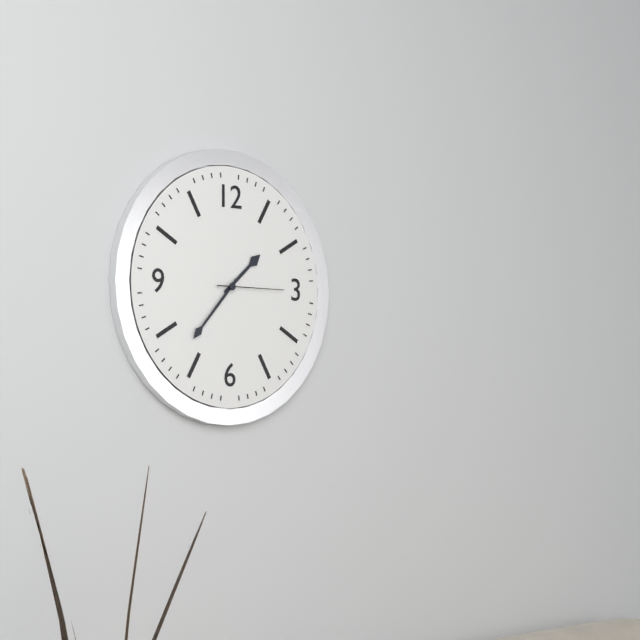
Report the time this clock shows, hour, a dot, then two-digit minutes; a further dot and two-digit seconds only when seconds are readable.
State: 1.37.15
